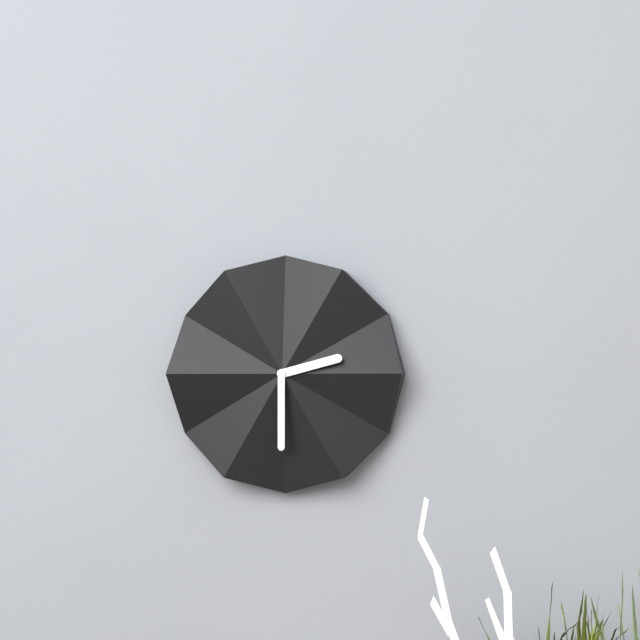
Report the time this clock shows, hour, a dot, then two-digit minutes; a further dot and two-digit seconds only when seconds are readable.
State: 2.30
